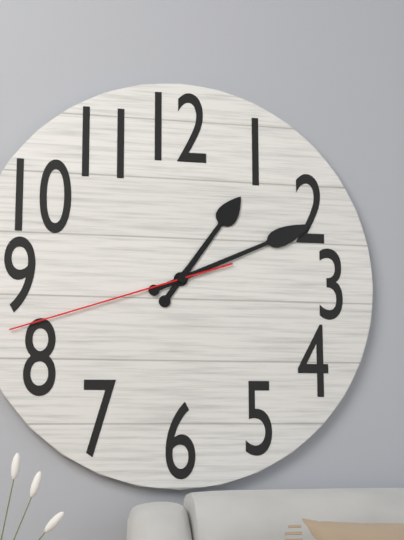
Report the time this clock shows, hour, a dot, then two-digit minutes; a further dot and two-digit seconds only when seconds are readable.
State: 1.11.42
